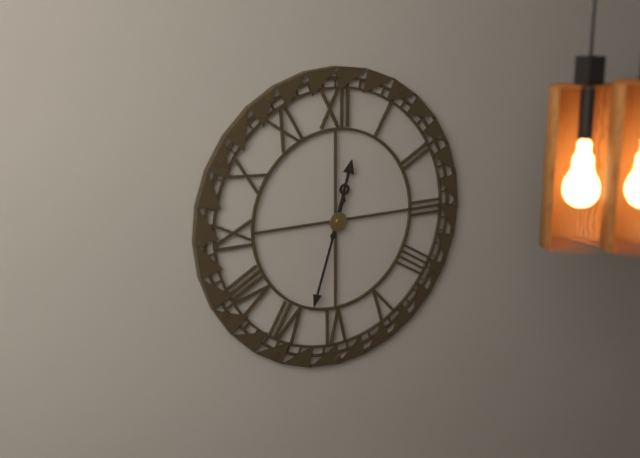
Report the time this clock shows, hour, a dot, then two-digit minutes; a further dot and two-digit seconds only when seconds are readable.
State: 12.33
